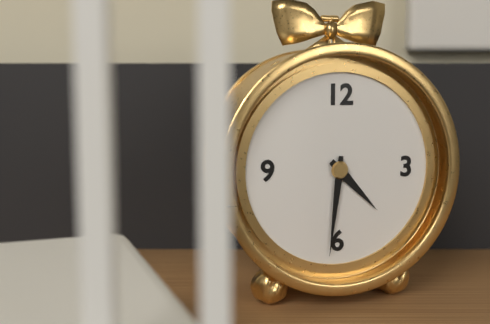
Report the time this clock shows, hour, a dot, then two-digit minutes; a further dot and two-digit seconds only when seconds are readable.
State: 4.31
